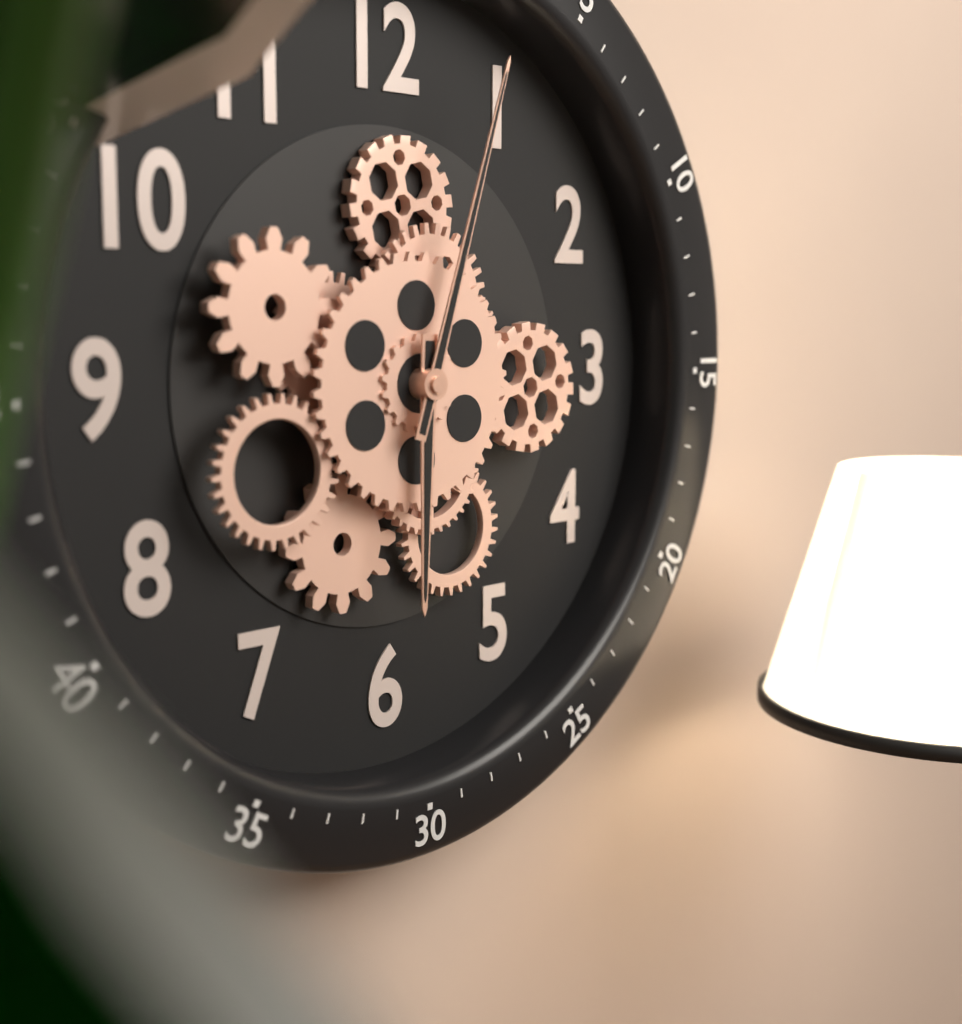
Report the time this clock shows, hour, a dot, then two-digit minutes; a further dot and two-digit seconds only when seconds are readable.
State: 6.03
